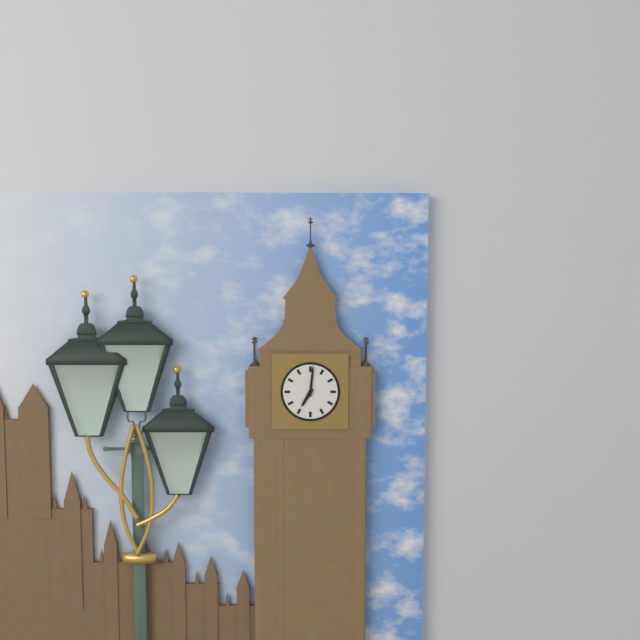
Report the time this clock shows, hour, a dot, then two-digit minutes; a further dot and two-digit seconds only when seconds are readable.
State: 7.01
